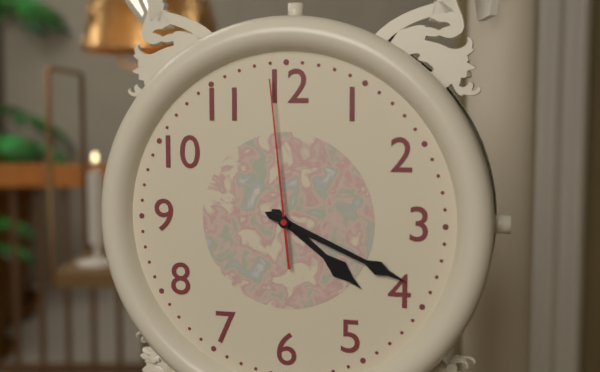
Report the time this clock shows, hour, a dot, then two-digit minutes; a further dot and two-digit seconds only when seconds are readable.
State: 4.19.59
